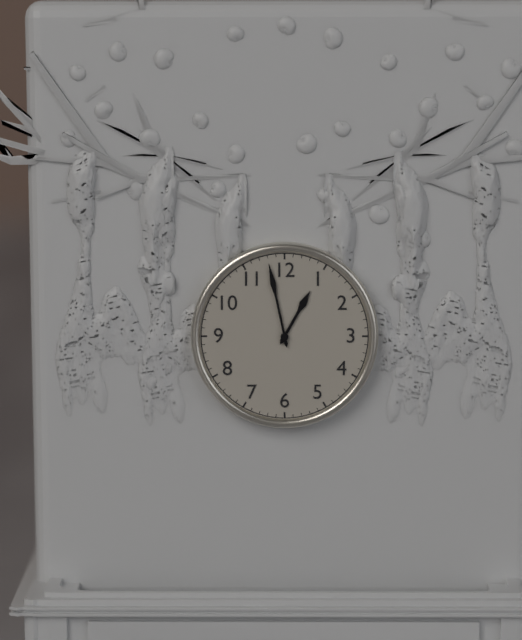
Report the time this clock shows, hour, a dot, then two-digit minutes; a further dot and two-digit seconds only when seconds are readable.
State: 12.58
